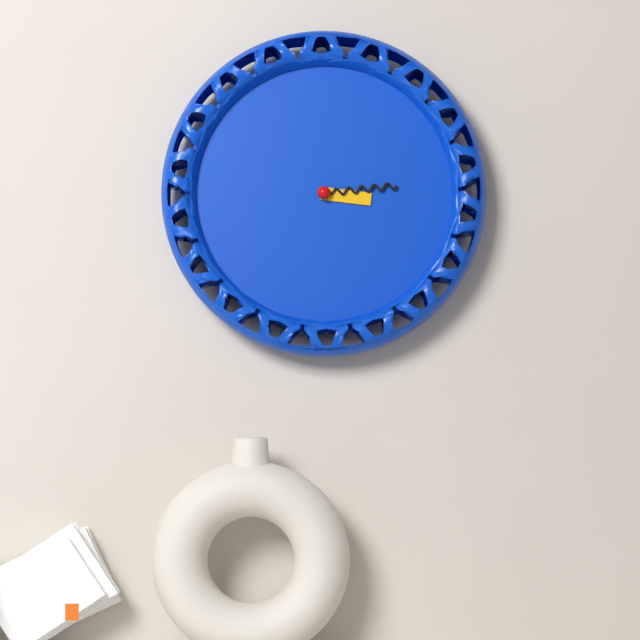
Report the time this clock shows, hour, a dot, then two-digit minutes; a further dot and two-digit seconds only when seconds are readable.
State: 3.14
